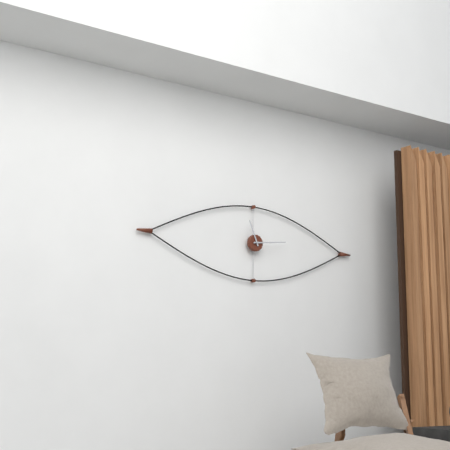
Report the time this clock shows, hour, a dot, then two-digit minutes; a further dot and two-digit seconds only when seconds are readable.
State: 11.14
